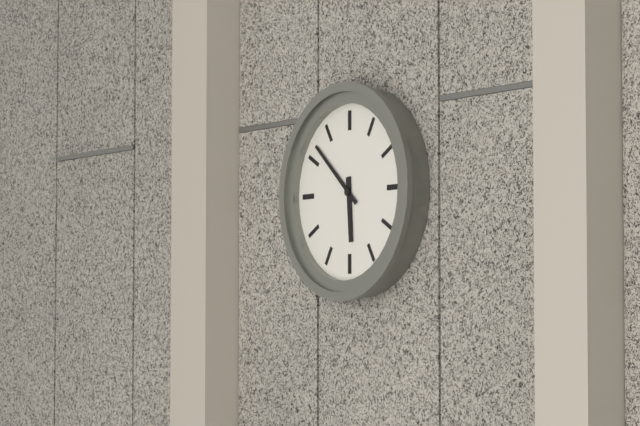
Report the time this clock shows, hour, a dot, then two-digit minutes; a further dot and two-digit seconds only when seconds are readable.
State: 5.52
